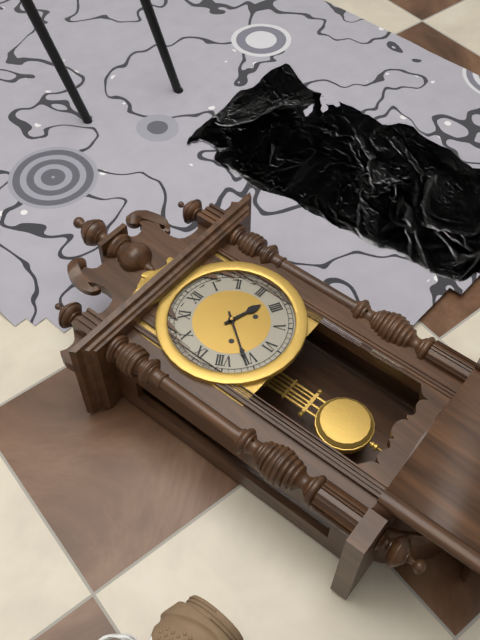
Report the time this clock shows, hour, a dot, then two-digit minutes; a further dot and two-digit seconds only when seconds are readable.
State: 3.36
